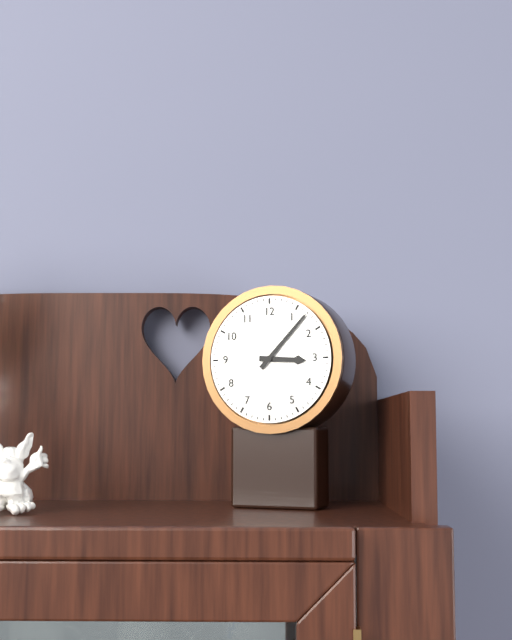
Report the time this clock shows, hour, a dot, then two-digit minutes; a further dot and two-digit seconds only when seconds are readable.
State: 3.07
